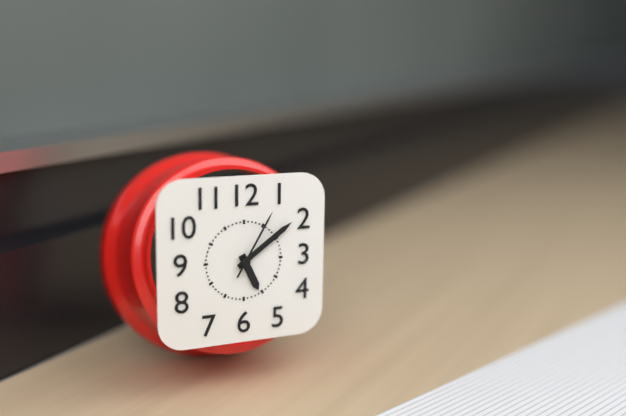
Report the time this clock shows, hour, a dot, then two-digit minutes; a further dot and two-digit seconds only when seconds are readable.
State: 5.09.05
